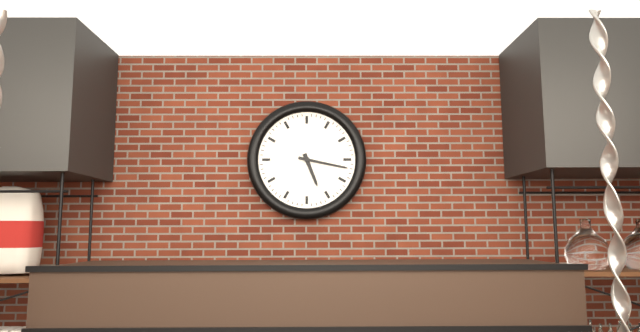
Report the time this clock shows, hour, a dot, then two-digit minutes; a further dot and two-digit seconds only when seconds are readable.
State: 5.17
